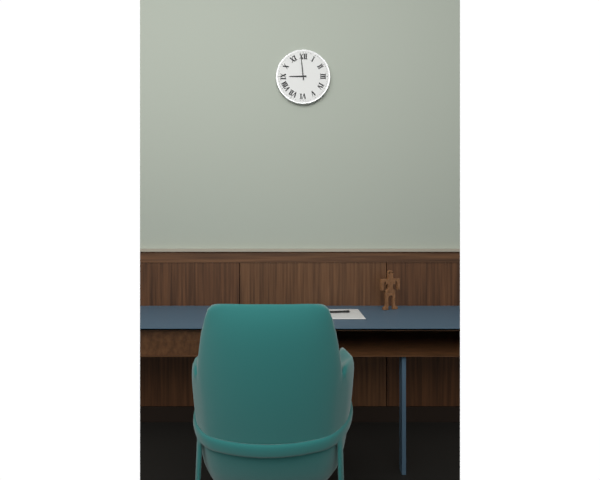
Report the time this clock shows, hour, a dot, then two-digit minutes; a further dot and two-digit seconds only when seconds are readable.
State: 8.59
